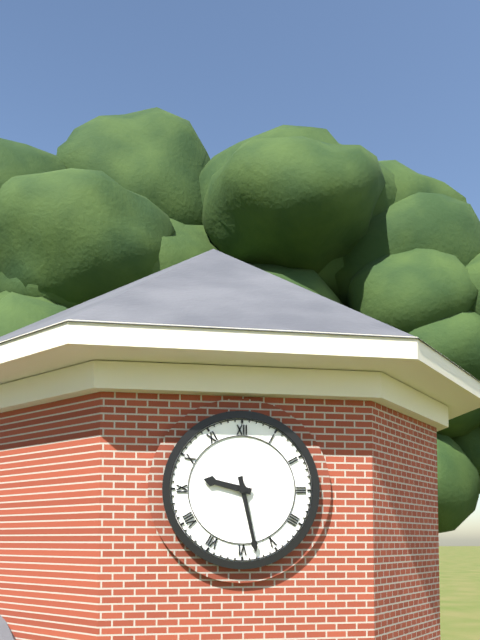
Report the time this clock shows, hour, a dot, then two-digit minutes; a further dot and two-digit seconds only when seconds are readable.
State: 9.28
